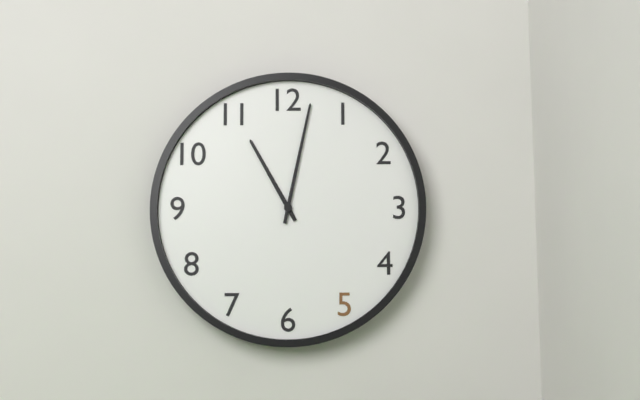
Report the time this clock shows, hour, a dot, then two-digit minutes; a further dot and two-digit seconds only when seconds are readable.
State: 11.02
